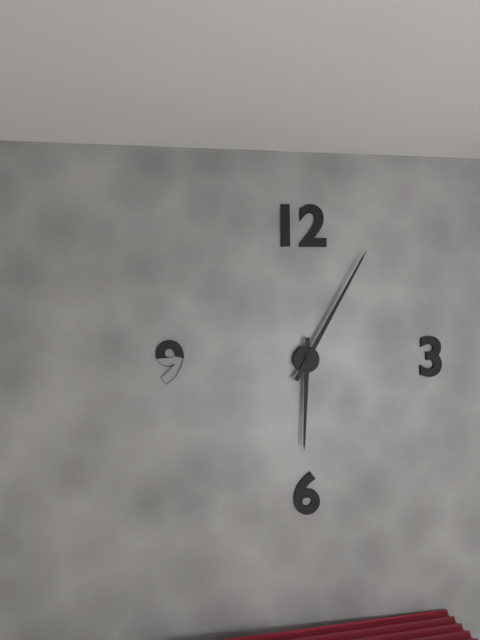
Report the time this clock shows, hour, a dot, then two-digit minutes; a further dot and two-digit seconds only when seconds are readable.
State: 6.05
